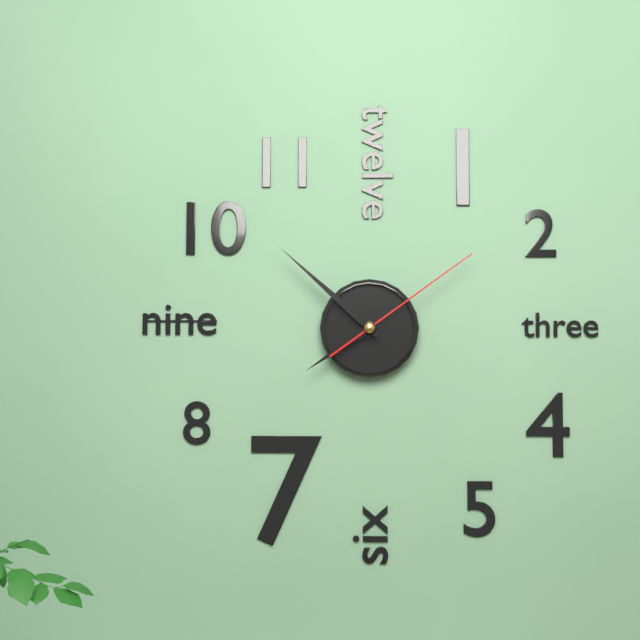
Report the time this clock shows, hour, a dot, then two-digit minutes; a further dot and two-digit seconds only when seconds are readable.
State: 7.52.09
